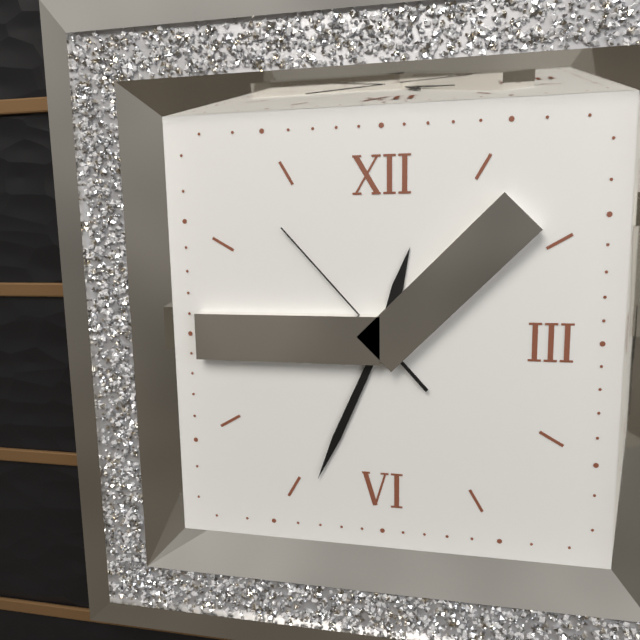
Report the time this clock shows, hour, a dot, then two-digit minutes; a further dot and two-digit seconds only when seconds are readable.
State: 12.34.53
